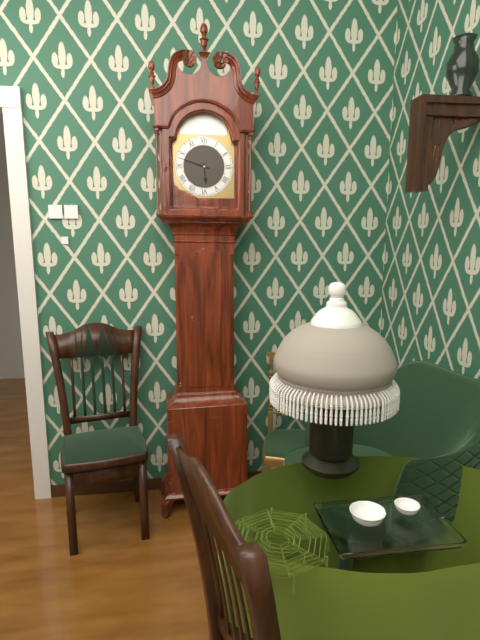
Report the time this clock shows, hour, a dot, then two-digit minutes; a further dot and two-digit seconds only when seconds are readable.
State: 5.48
